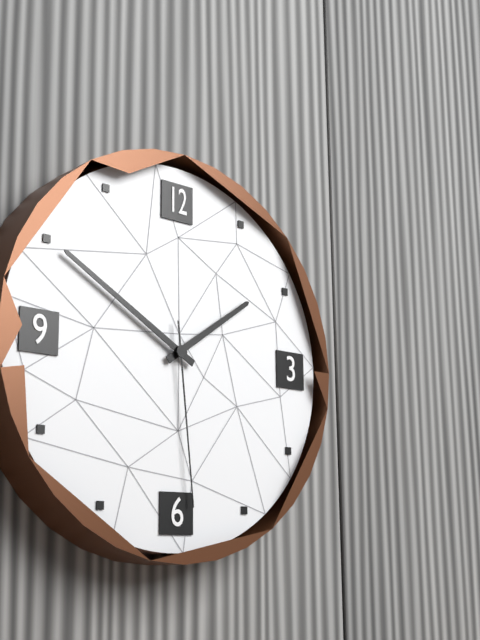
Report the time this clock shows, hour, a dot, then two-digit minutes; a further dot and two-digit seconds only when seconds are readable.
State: 1.50.29
